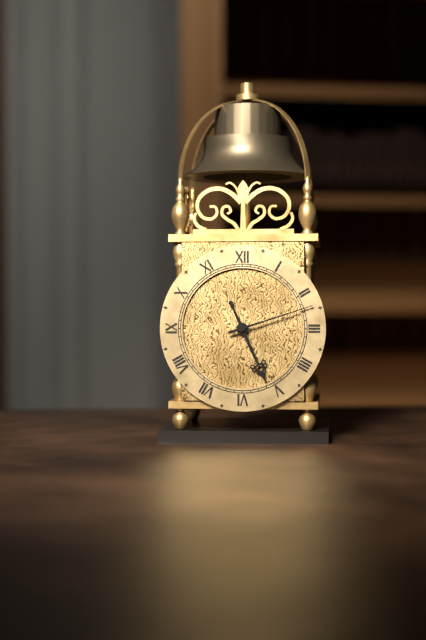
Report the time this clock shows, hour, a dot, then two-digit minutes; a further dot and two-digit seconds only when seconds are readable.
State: 5.12
